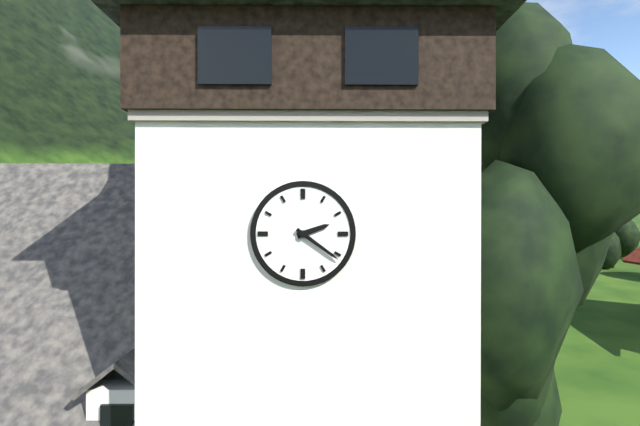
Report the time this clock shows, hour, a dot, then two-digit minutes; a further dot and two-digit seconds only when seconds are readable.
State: 2.21
